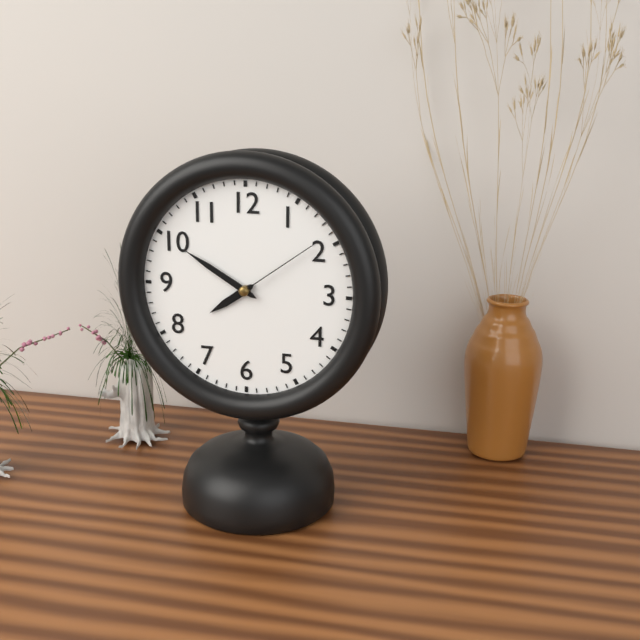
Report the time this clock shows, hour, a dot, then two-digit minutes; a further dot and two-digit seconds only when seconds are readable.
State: 7.50.09
